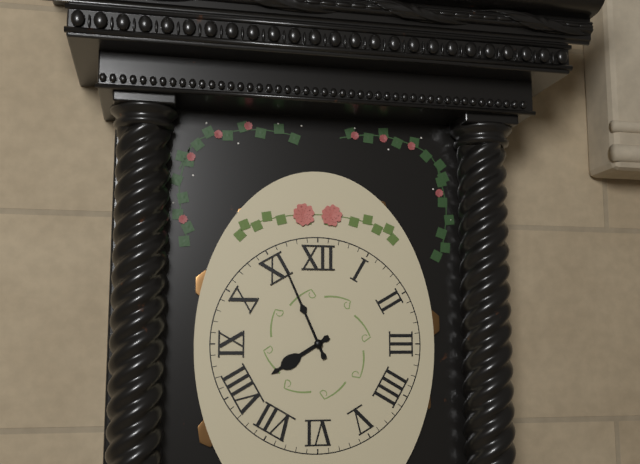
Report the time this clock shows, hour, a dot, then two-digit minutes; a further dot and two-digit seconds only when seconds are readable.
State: 7.56
